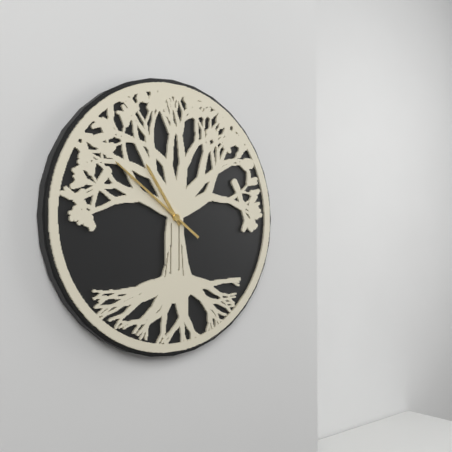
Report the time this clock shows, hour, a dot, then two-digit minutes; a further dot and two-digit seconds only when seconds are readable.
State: 10.51
